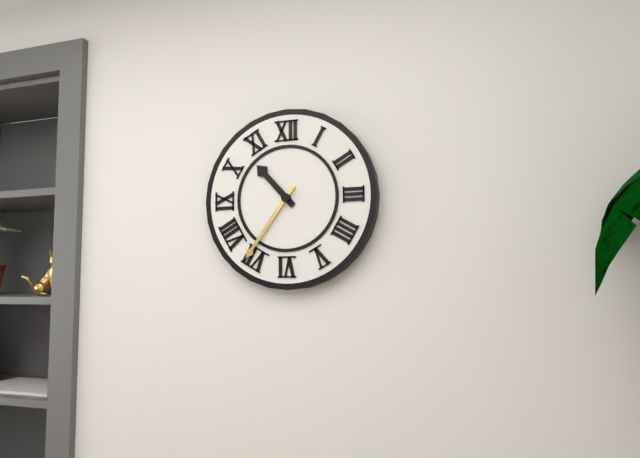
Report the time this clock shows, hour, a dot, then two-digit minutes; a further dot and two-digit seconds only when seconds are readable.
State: 10.36
